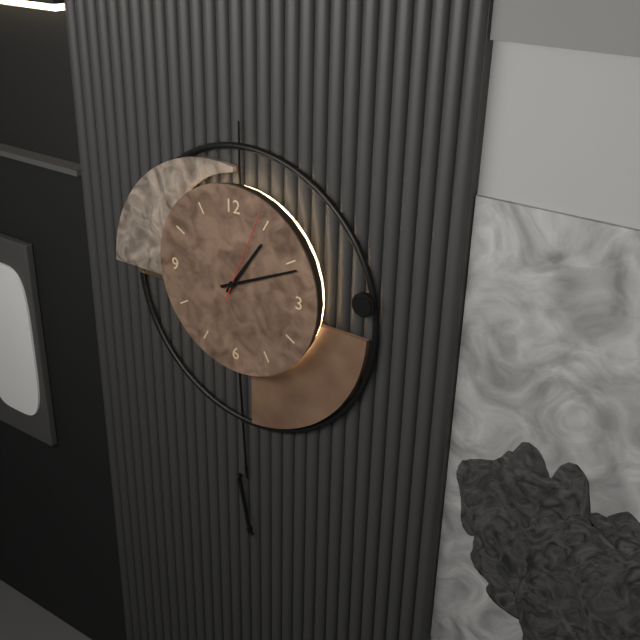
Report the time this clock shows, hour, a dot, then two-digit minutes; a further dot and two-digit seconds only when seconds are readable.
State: 1.11.04
